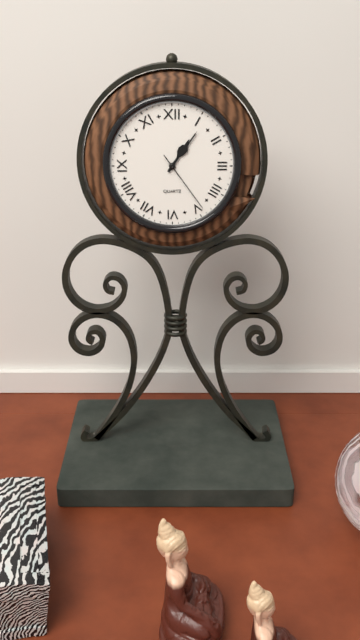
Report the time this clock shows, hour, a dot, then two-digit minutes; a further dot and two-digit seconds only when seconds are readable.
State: 1.06.24
